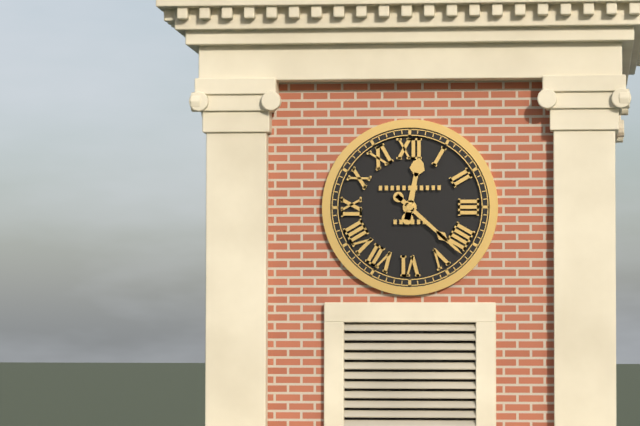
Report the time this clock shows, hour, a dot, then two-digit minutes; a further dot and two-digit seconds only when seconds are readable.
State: 12.22
